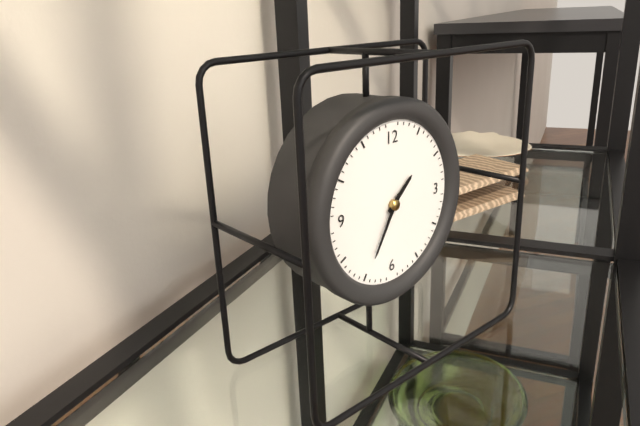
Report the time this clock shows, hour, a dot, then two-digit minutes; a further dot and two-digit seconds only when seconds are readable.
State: 1.35
